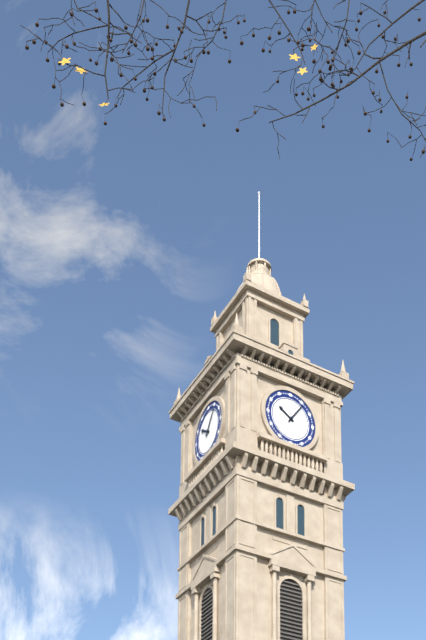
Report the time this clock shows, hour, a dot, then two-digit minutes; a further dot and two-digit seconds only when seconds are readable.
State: 10.06
